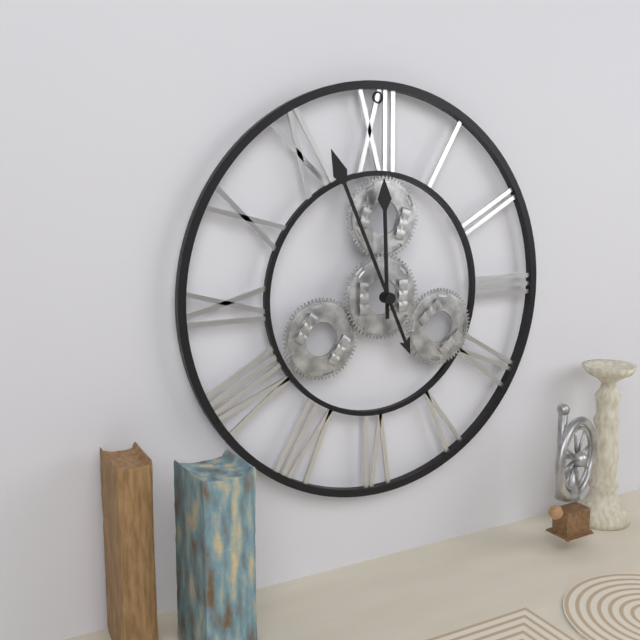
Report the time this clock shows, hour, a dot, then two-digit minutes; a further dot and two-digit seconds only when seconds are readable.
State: 11.56
